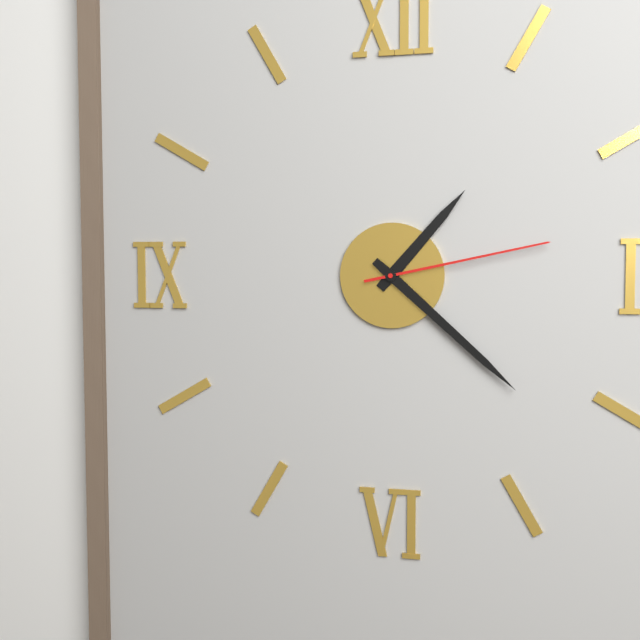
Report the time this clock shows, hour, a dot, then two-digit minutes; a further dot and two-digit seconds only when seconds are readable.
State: 1.22.13
